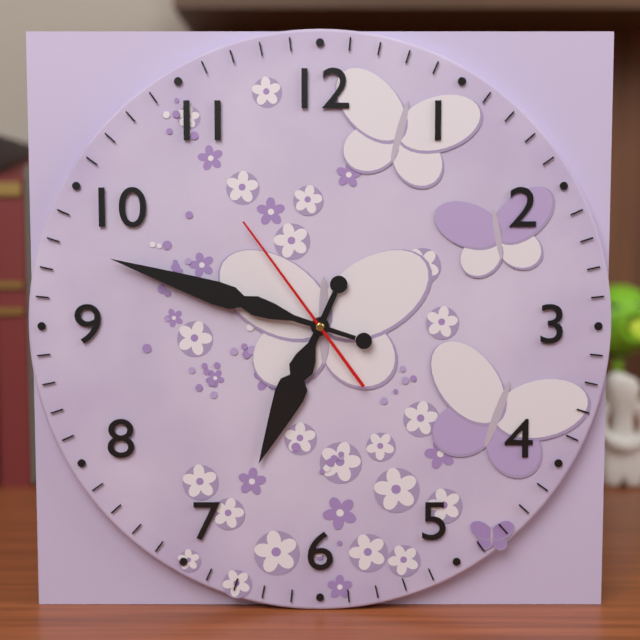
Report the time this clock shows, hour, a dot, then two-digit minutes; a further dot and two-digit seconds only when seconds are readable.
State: 6.48.54
